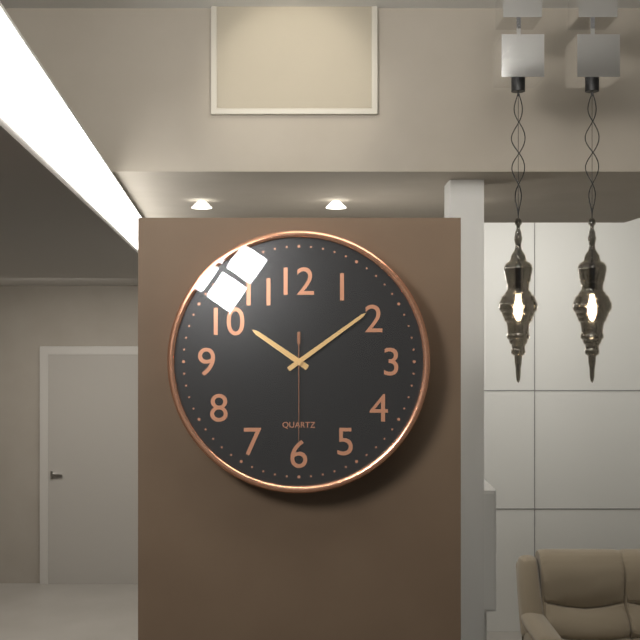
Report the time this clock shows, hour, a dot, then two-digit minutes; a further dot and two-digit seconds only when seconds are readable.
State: 10.09.30
